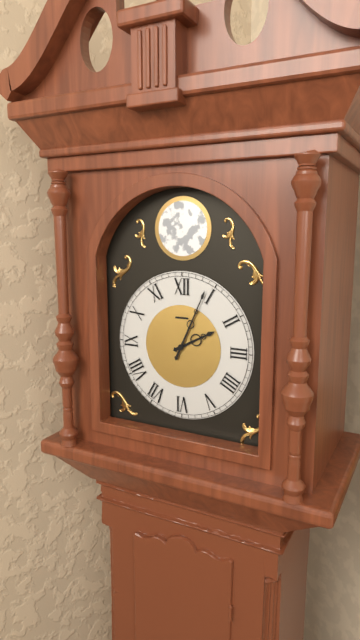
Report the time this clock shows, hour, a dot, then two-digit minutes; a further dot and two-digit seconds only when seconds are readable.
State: 2.04
